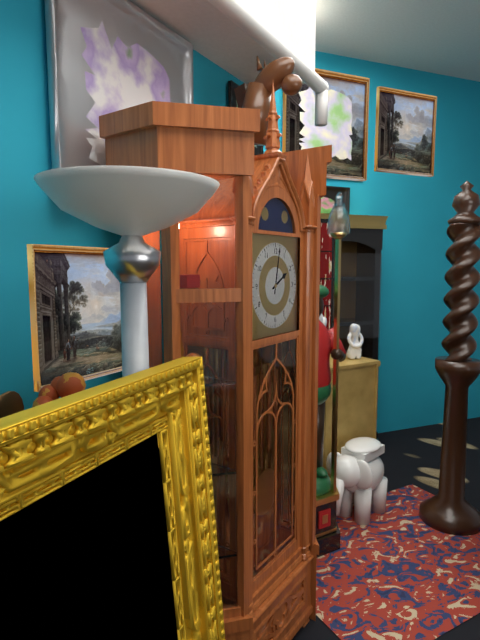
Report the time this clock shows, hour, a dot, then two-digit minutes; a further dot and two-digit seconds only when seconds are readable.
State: 2.02
